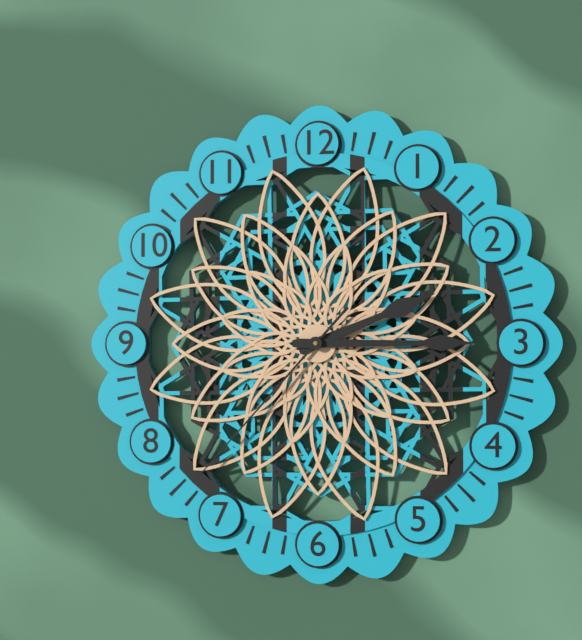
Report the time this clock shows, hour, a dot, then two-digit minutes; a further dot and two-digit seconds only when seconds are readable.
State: 2.15.37
